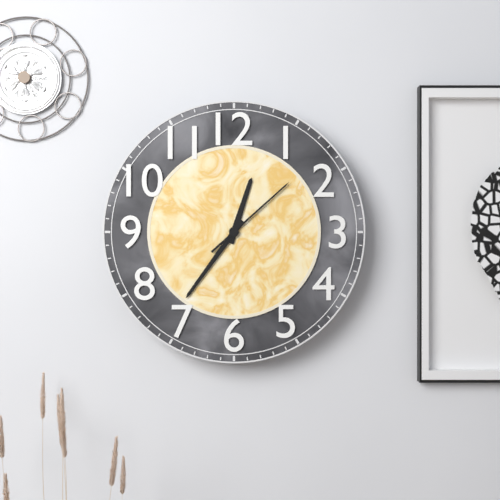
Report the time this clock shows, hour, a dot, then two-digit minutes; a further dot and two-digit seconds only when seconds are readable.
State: 12.36.08
